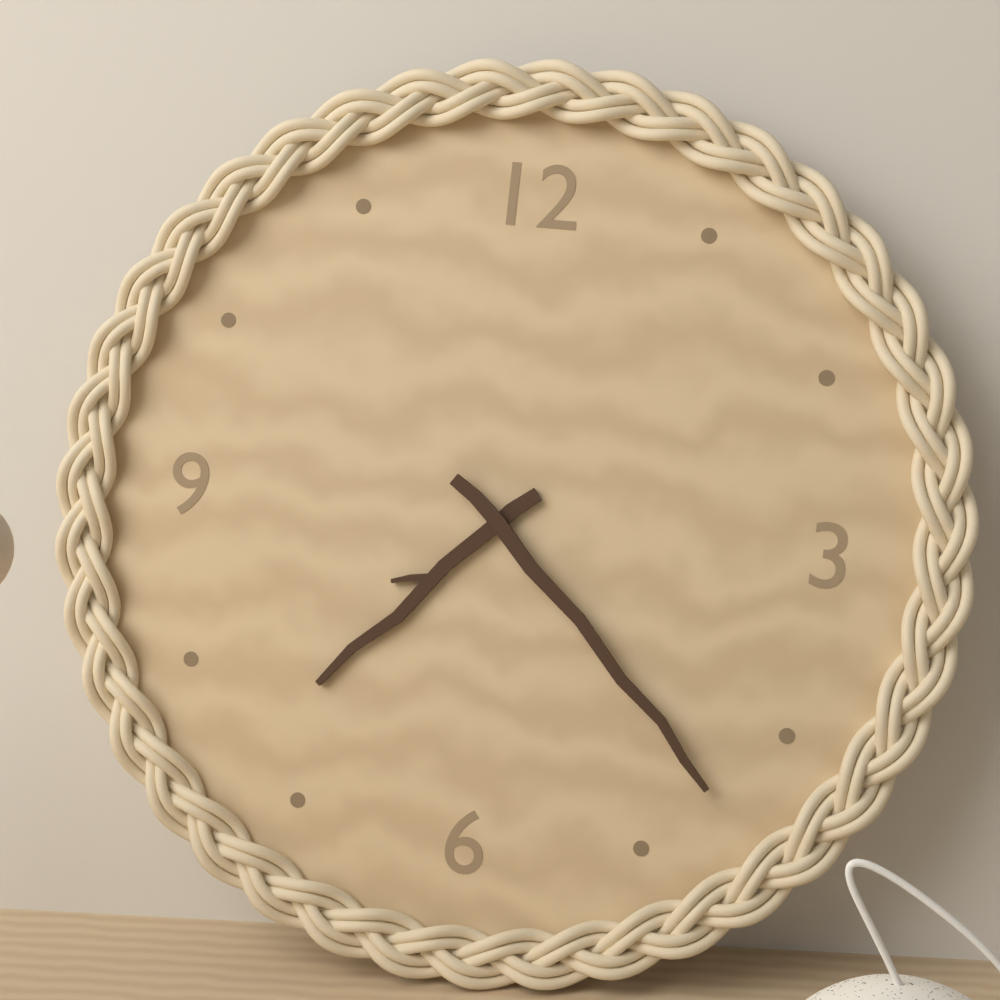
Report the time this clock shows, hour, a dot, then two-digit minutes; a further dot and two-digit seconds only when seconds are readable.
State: 7.22
